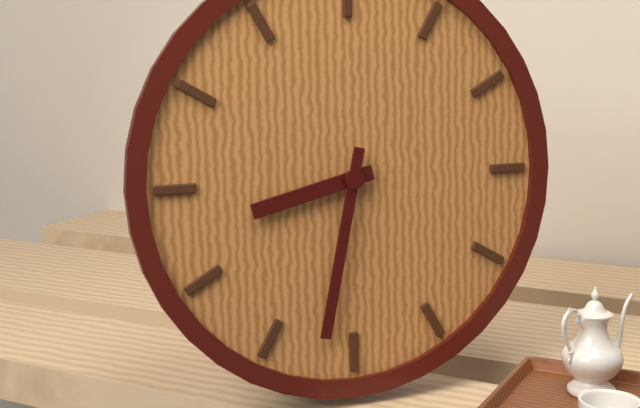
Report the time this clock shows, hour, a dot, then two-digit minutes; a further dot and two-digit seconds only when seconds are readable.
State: 8.32
